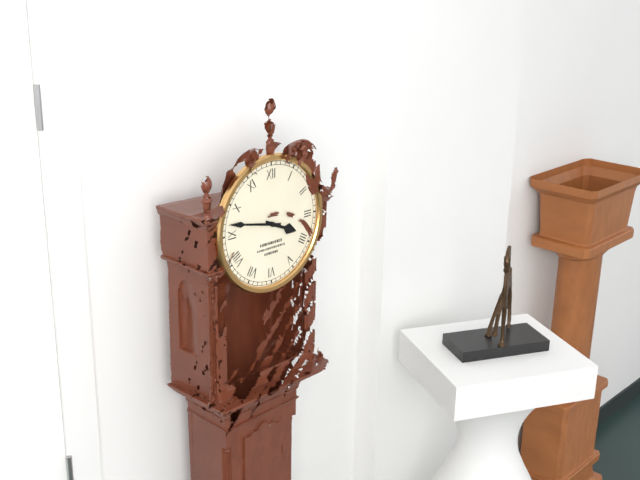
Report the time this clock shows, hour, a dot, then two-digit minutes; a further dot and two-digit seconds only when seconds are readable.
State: 3.47
